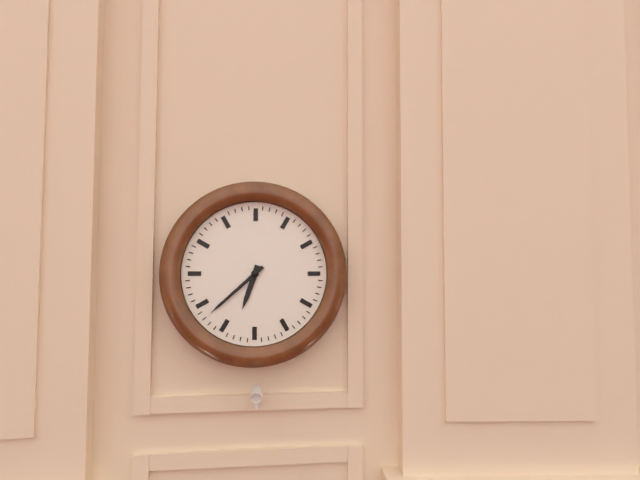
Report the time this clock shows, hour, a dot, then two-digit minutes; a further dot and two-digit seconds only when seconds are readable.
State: 6.38
